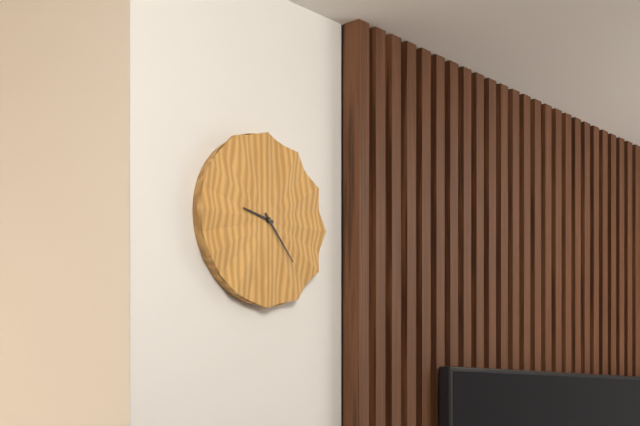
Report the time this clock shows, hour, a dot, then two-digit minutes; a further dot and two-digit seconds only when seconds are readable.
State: 9.23
